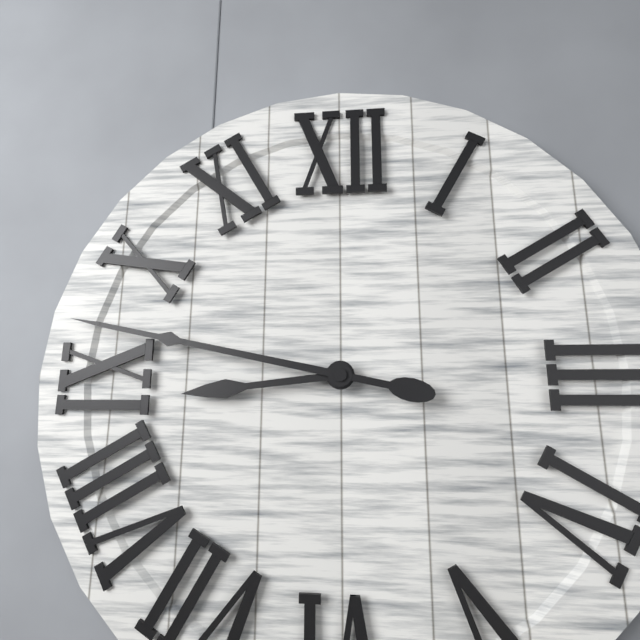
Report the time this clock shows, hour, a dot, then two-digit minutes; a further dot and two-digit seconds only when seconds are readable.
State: 8.47
